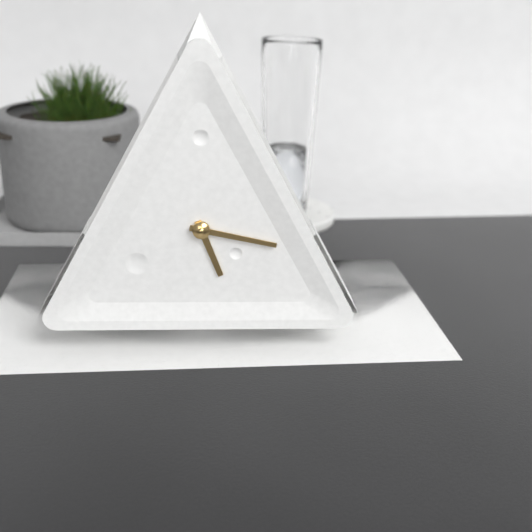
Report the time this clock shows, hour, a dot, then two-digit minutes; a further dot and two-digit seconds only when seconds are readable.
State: 5.17
